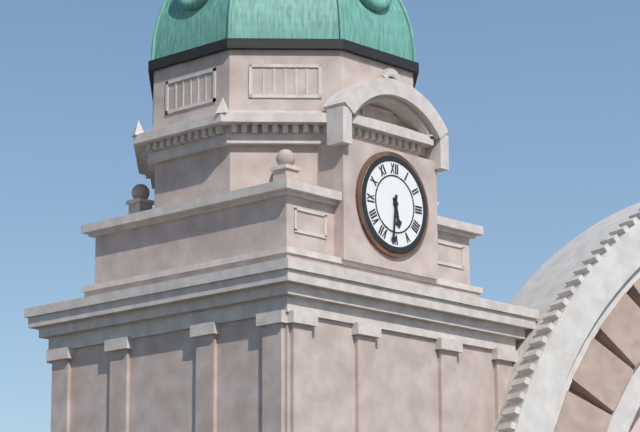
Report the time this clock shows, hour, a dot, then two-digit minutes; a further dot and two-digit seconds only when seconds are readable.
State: 5.31
